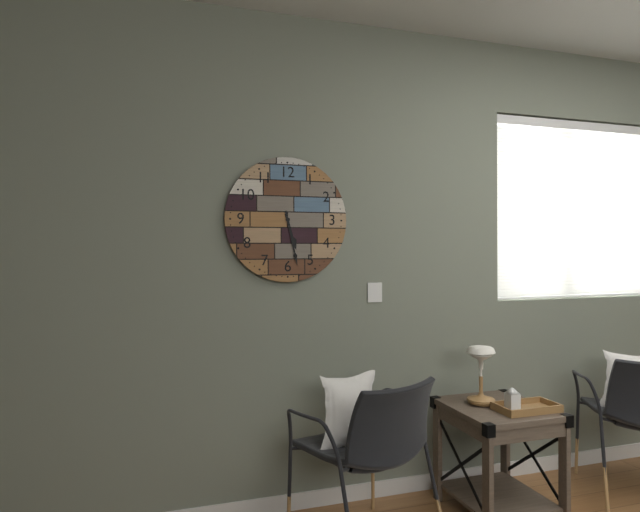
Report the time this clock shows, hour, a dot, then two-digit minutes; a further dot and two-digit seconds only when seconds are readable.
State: 5.28
